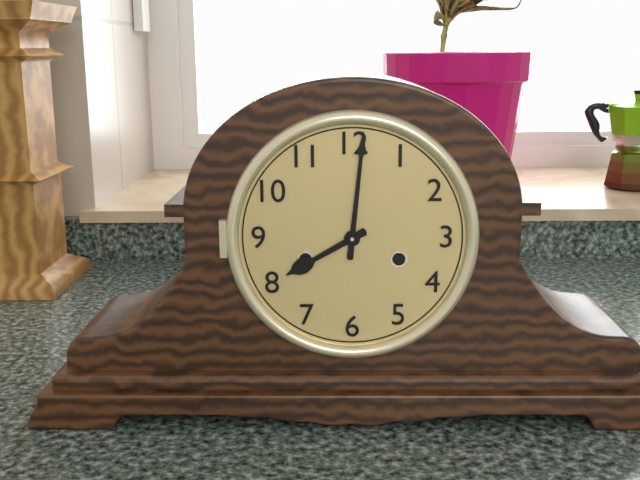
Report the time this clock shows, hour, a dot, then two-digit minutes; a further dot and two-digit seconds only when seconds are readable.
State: 8.01
